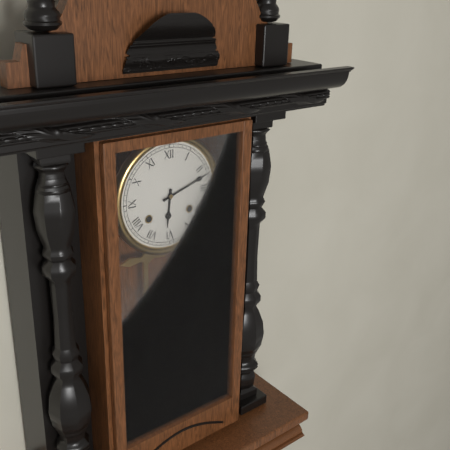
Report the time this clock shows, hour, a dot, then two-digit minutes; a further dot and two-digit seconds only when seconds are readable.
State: 6.12
